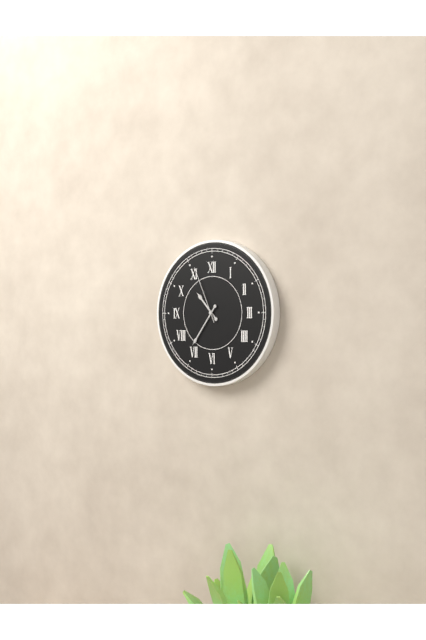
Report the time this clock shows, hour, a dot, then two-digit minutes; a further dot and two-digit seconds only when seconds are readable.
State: 10.36.56
